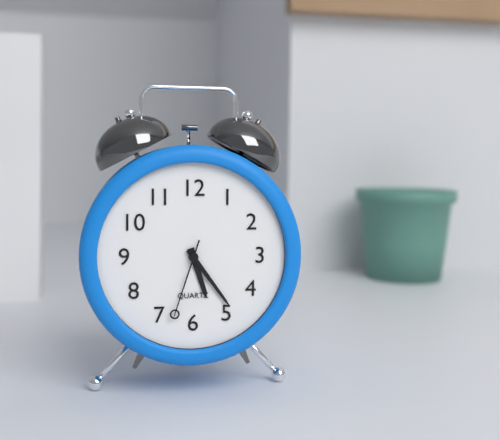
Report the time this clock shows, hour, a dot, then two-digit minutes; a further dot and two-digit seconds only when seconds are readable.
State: 5.24.33
